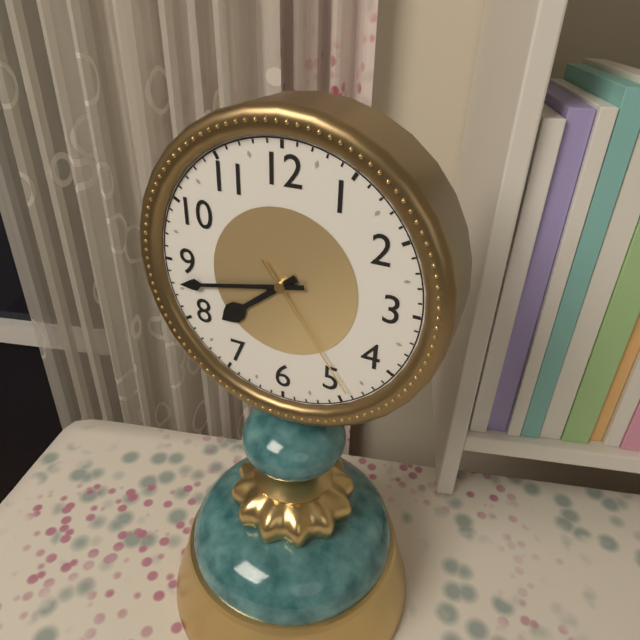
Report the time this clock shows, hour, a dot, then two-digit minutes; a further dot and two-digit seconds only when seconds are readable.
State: 7.43.24
